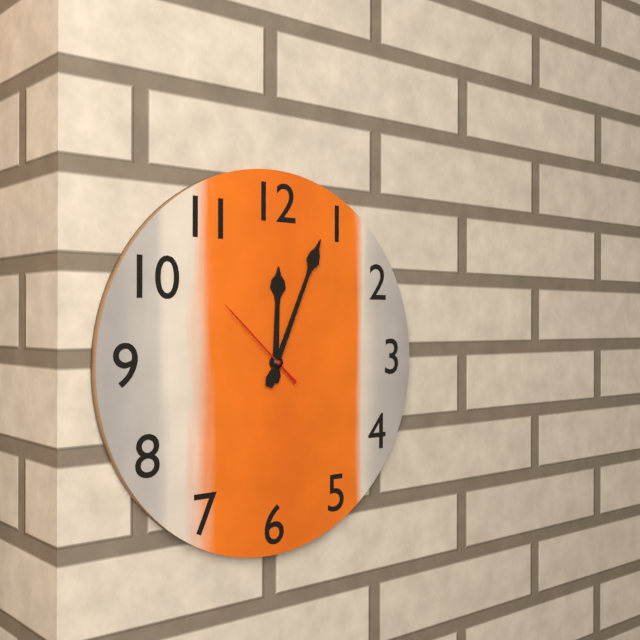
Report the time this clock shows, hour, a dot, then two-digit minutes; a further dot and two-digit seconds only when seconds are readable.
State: 12.04.52
